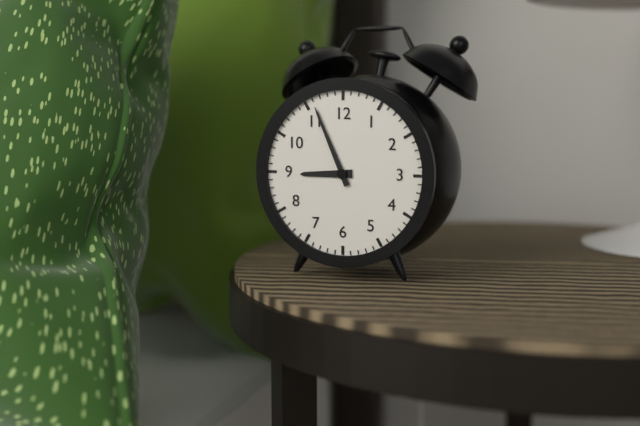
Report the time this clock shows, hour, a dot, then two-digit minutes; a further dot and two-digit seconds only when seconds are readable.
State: 8.56
